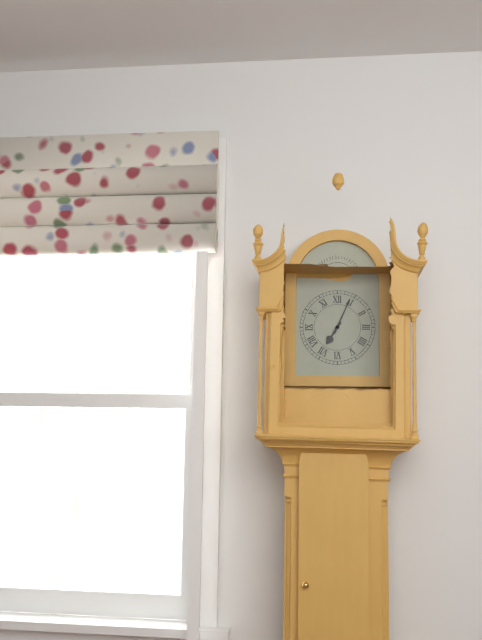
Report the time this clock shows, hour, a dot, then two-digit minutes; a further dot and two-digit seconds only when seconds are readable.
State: 7.04
